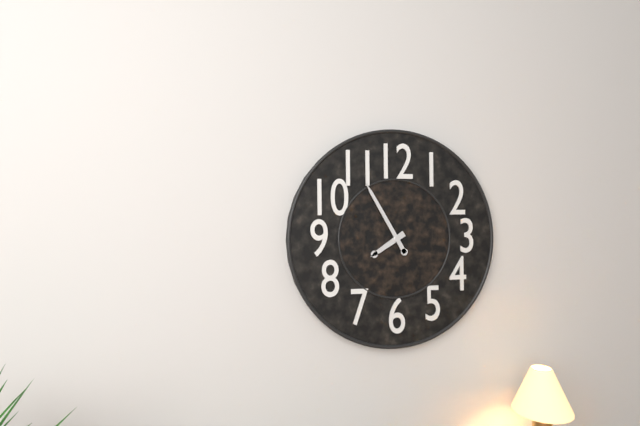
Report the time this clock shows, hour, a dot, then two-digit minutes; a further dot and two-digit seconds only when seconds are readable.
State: 7.55
